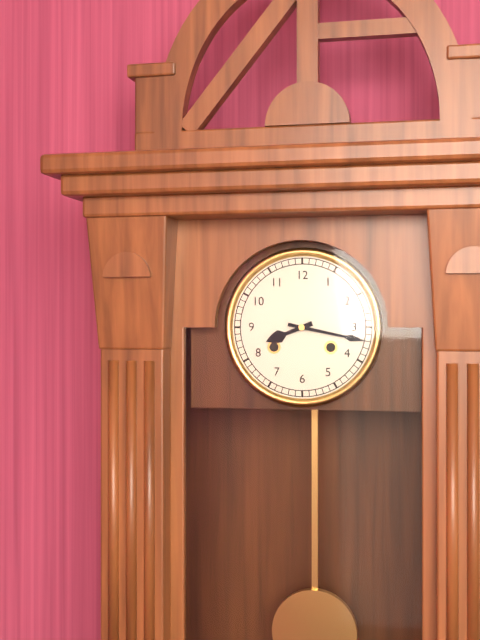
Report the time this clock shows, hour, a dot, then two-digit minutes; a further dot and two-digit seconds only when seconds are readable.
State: 8.17
